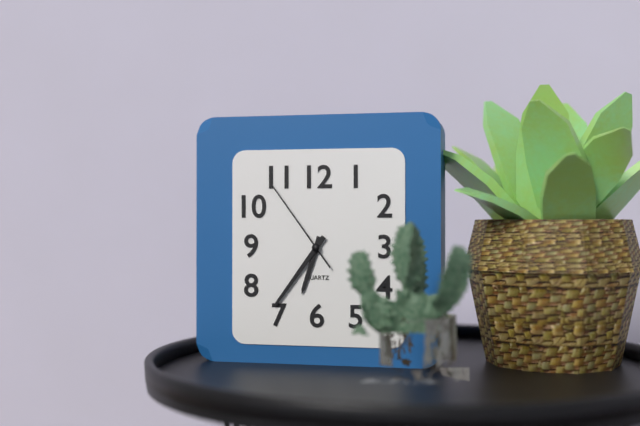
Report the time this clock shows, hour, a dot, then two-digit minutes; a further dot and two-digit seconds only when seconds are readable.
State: 6.36.54
